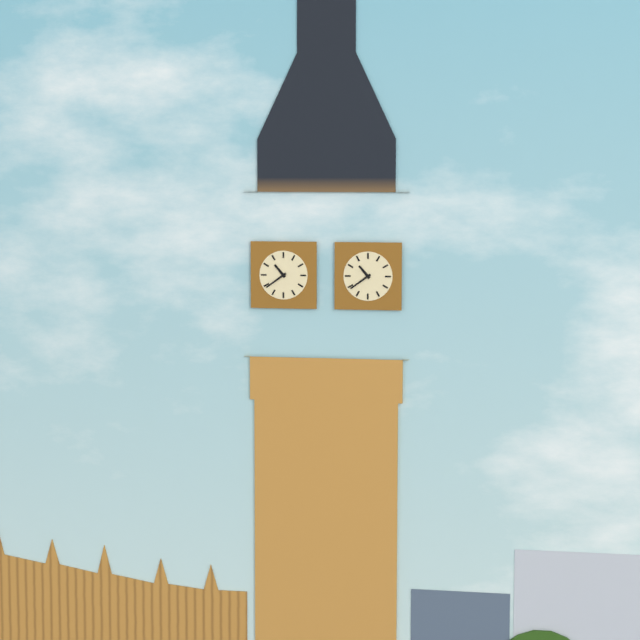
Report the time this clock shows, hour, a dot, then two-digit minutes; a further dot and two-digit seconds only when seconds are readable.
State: 10.39
